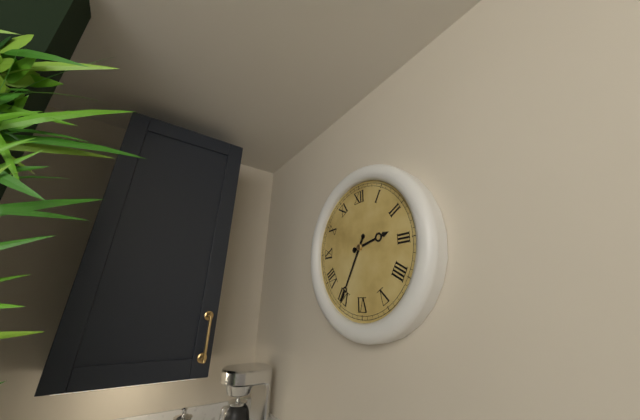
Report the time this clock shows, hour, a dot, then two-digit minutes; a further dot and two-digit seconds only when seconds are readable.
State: 2.35
